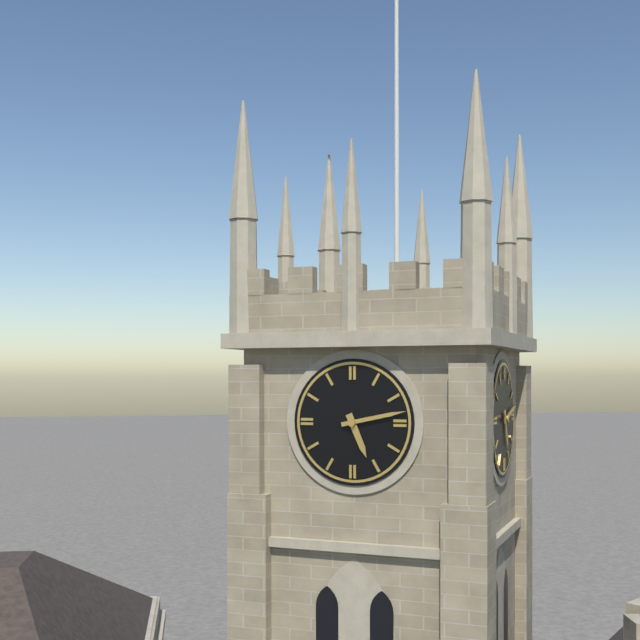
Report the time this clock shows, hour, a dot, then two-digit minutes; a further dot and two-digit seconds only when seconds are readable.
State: 5.13
